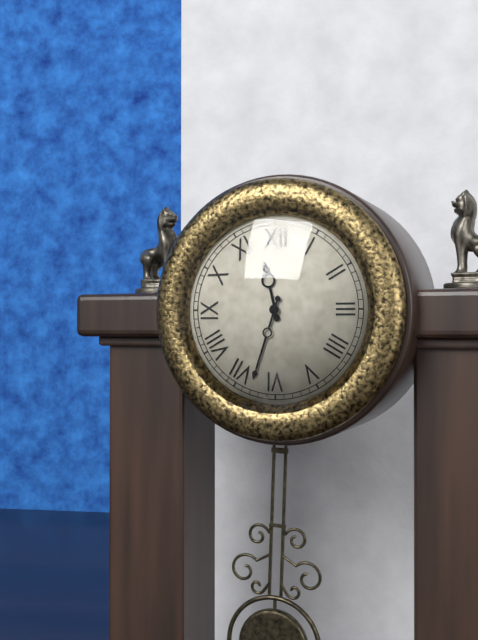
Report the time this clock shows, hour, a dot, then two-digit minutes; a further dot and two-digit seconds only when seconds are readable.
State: 11.33
